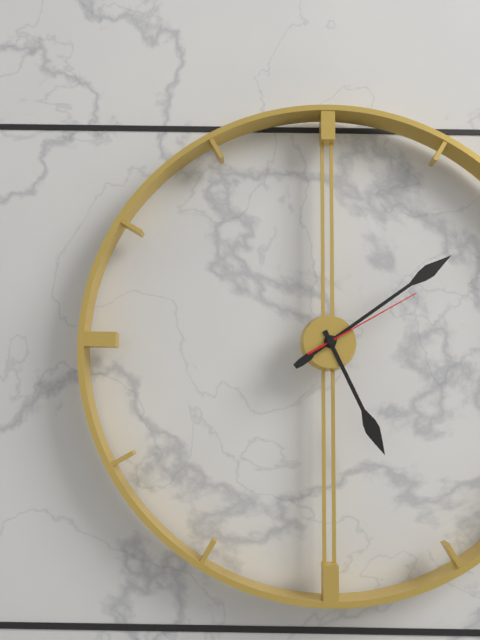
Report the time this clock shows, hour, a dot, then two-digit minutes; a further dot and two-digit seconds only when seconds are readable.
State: 5.09.10
